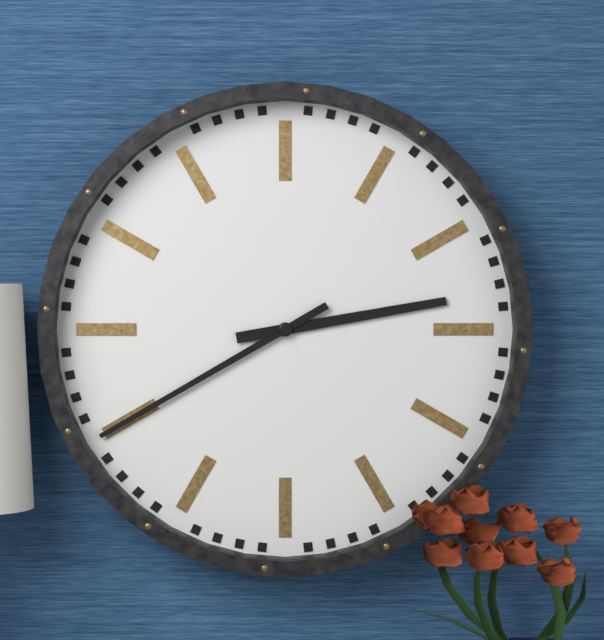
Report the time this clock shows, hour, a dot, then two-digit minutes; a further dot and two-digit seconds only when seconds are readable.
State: 2.40
